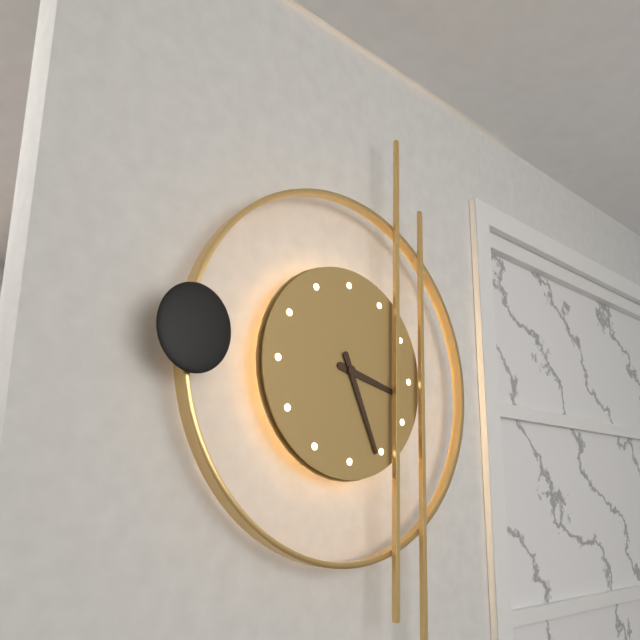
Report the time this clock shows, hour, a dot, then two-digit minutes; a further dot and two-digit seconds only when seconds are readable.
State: 3.26
